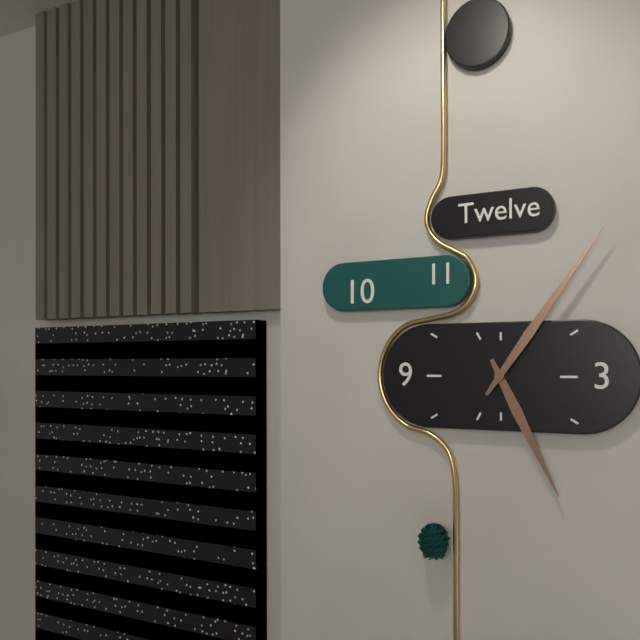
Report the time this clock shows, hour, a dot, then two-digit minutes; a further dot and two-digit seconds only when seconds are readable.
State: 5.06
